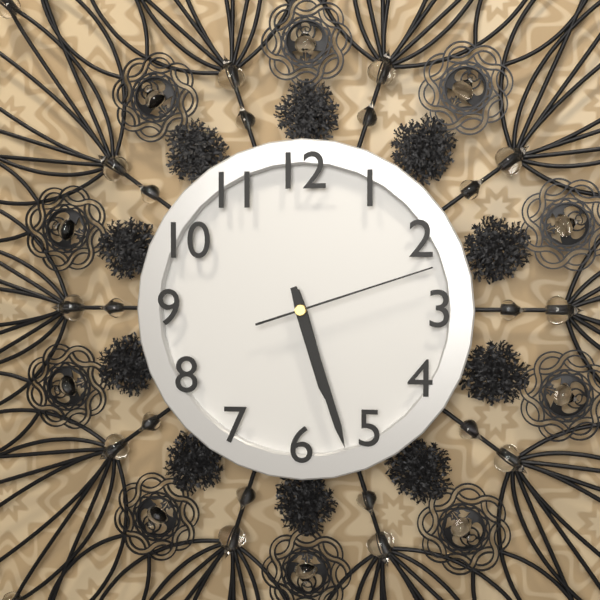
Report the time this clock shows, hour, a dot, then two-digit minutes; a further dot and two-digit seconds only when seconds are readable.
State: 5.27.12
